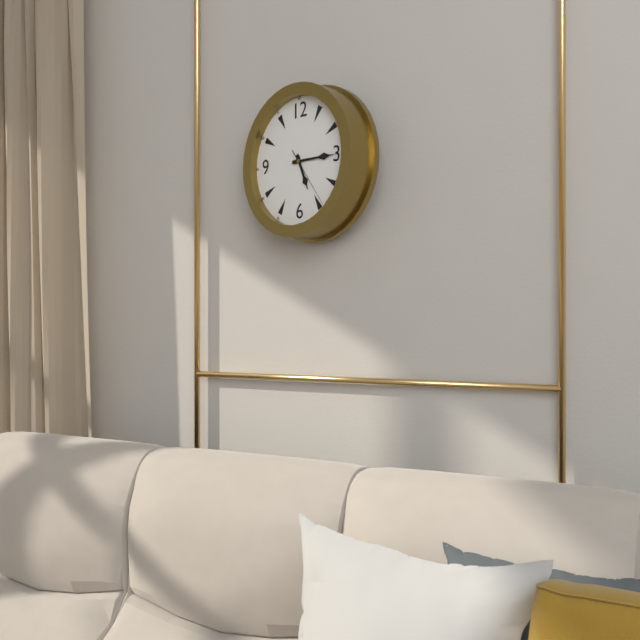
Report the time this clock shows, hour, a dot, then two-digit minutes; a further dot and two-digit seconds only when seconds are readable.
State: 5.15.24
